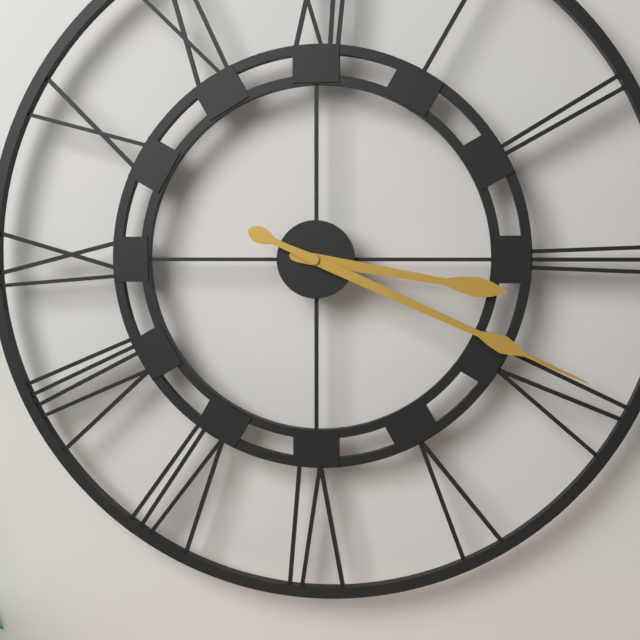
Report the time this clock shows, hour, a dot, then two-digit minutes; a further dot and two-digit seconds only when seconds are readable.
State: 3.19
